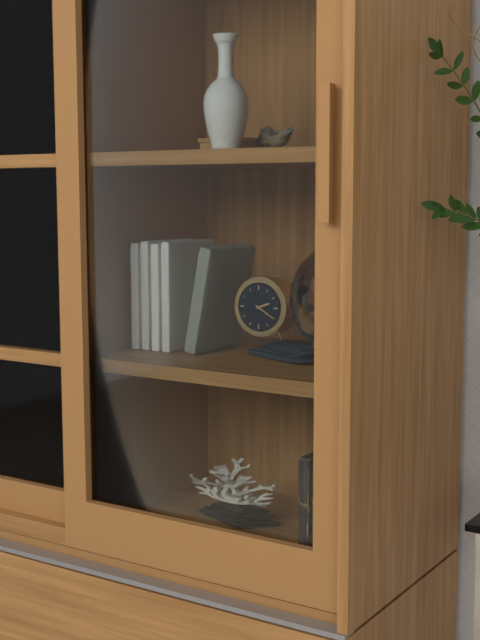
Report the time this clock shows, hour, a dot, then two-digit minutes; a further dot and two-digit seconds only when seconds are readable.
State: 2.20
